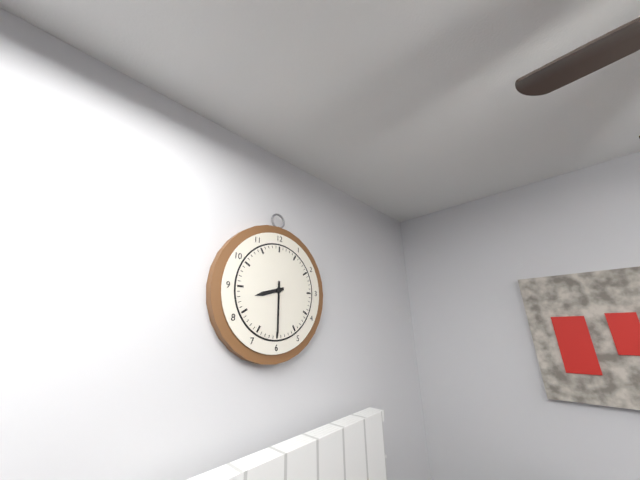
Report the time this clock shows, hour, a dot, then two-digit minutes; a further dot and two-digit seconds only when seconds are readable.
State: 8.30
